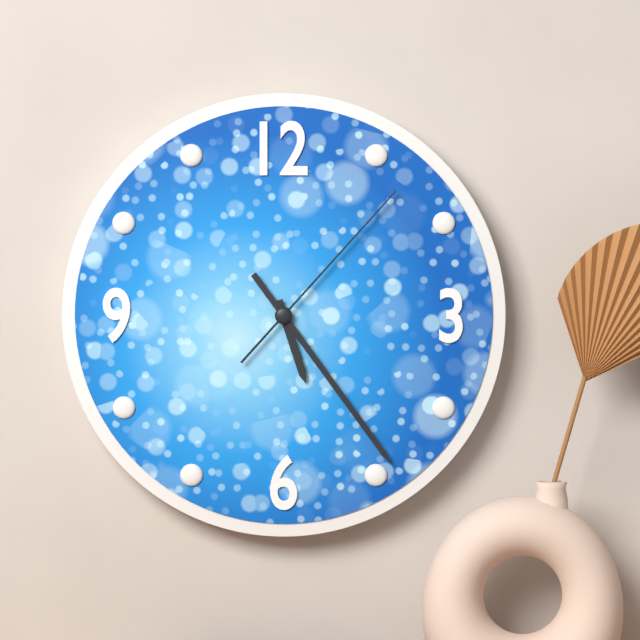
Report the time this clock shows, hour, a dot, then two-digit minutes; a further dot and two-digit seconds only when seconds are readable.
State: 5.24.07
